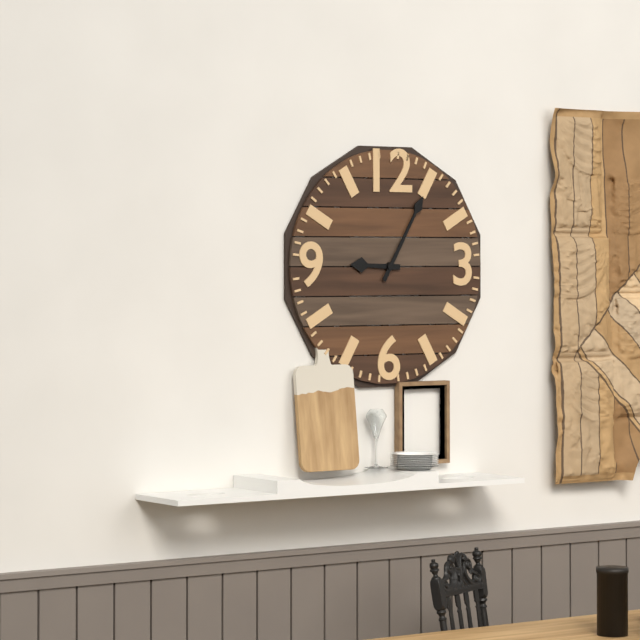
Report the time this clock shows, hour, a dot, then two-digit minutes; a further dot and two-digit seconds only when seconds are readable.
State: 9.05
